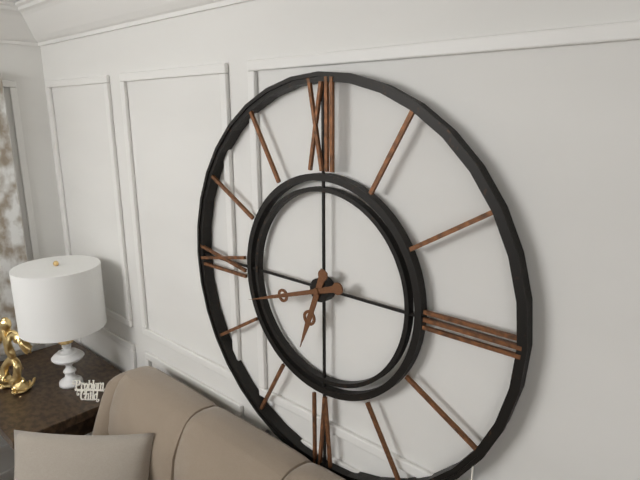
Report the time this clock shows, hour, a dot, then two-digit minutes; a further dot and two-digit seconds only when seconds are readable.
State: 6.42
